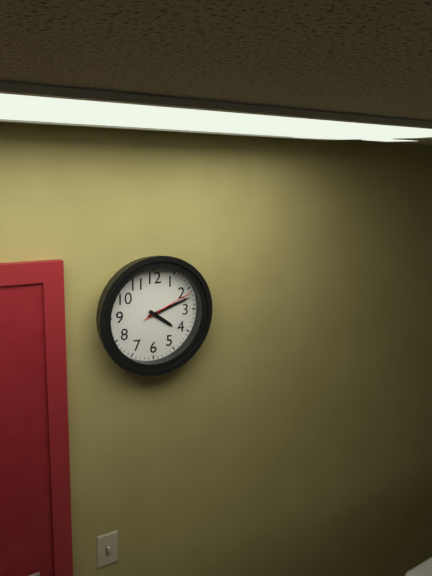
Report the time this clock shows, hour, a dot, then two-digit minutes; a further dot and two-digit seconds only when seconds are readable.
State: 4.12.11
